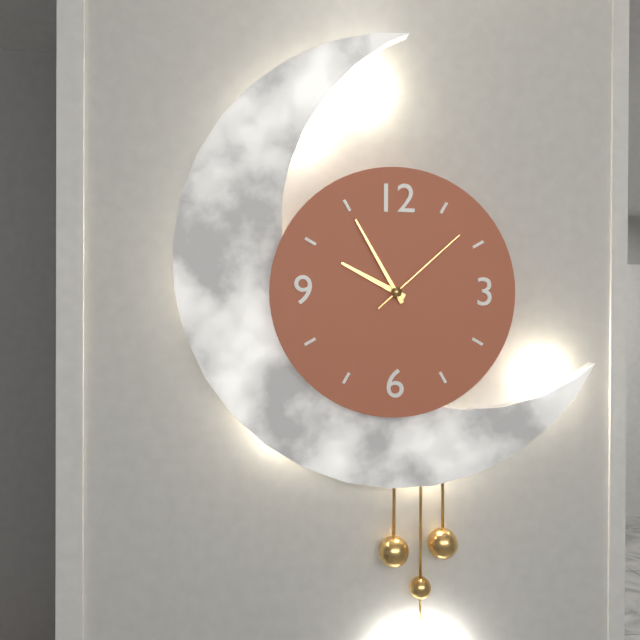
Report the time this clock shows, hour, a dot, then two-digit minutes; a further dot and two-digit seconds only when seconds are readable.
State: 9.55.08
